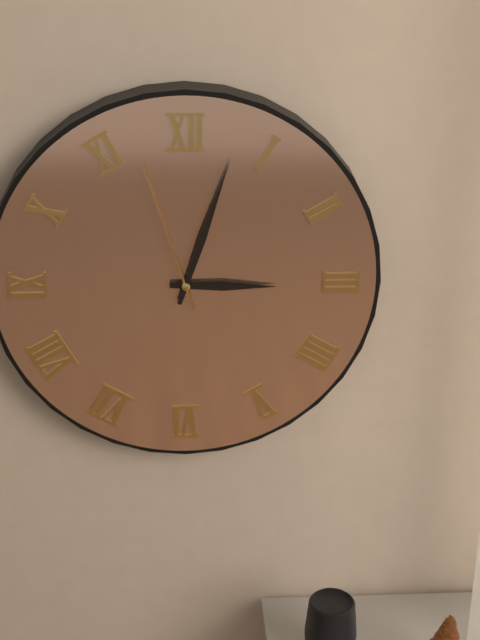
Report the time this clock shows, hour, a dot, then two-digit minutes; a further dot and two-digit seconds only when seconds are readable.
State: 3.03.57
